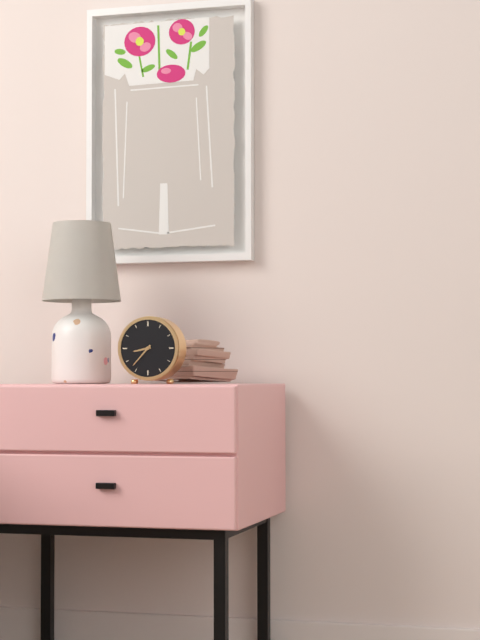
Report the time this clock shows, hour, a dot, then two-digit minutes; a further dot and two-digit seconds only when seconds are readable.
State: 8.37
